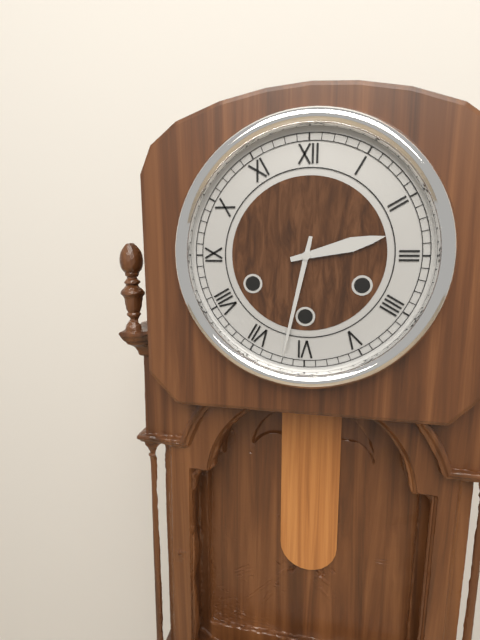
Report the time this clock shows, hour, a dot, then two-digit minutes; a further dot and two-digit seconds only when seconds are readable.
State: 2.32
